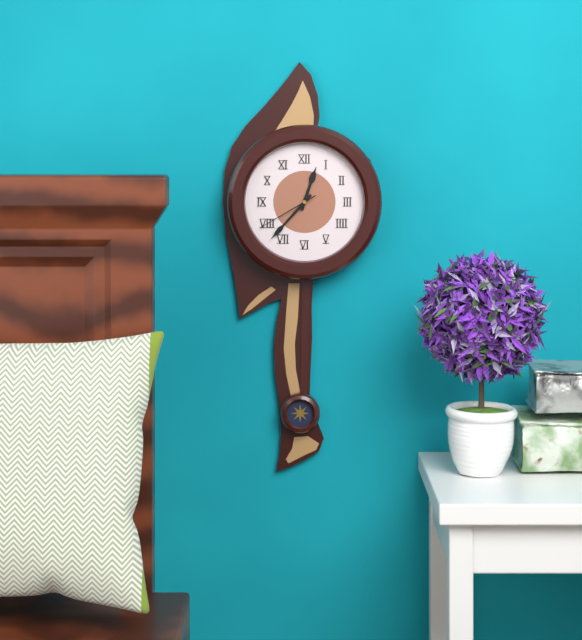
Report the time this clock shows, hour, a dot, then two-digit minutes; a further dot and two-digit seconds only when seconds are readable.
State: 12.37.40
